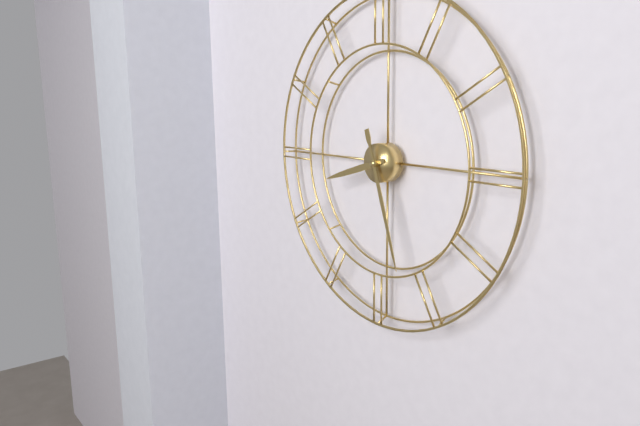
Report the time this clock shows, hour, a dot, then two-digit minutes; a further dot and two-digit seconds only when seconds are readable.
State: 8.27
